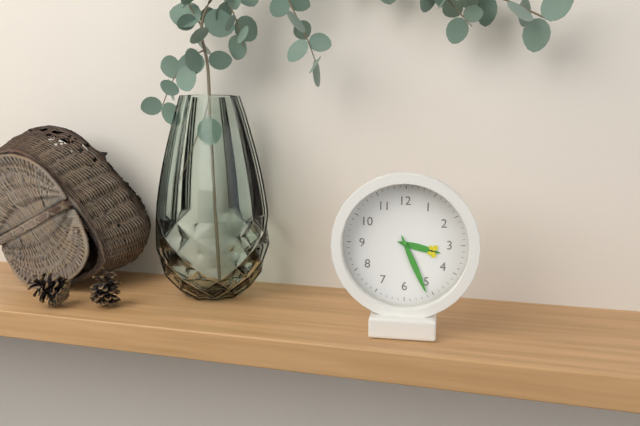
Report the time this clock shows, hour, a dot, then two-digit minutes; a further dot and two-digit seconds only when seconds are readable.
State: 3.26
